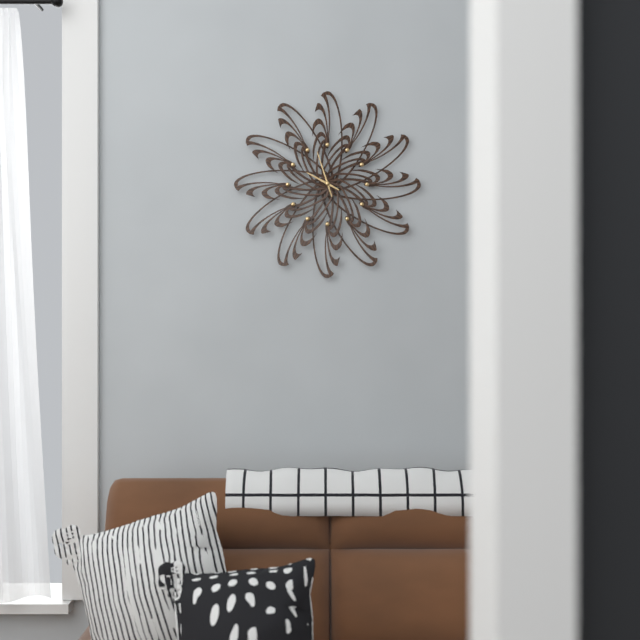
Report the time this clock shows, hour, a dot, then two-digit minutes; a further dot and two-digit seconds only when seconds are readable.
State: 9.57
